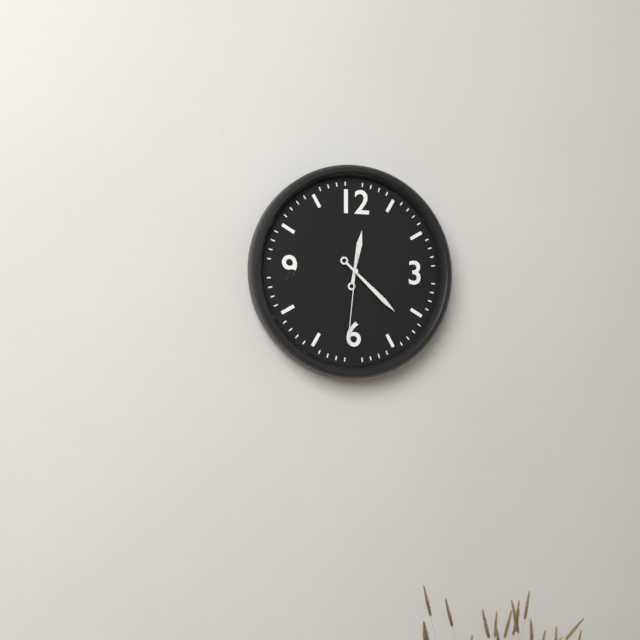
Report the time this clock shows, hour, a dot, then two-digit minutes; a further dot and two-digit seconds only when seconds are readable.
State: 12.22.31
